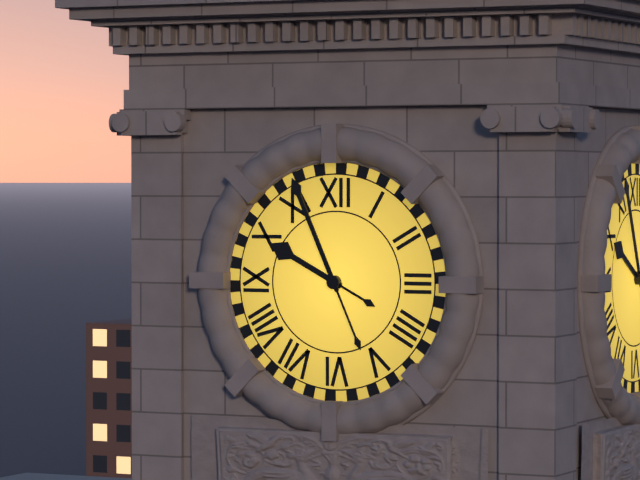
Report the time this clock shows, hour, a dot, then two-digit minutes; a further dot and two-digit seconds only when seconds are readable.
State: 9.56
